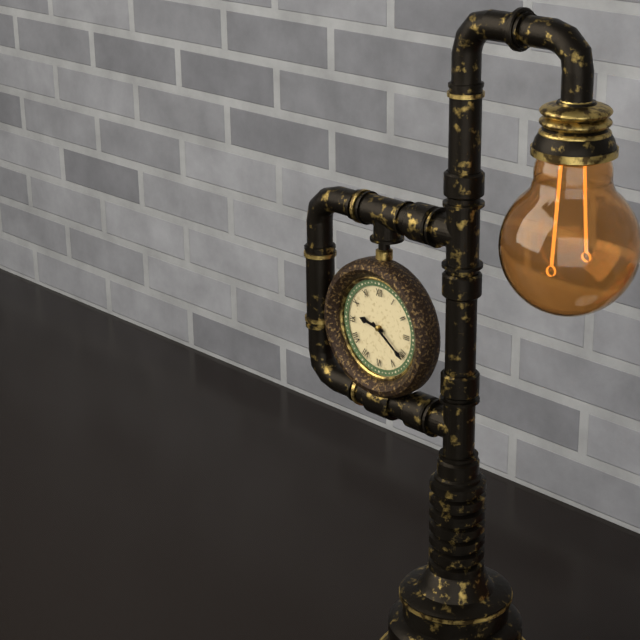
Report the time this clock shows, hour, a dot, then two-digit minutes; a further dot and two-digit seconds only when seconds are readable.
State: 9.21
